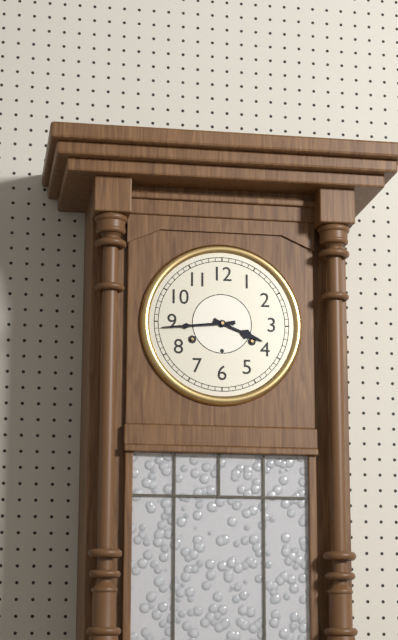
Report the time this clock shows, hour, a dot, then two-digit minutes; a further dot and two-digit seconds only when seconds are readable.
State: 3.44
